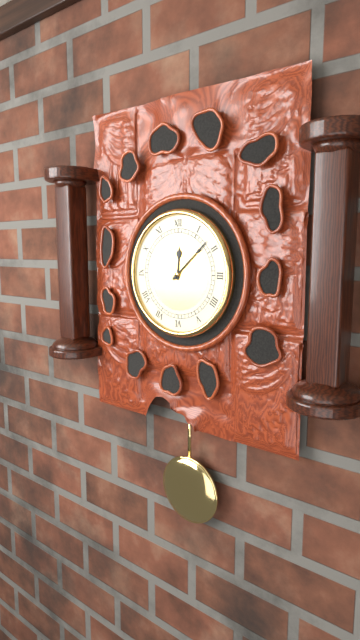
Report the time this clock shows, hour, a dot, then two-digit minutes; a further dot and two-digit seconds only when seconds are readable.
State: 12.08
